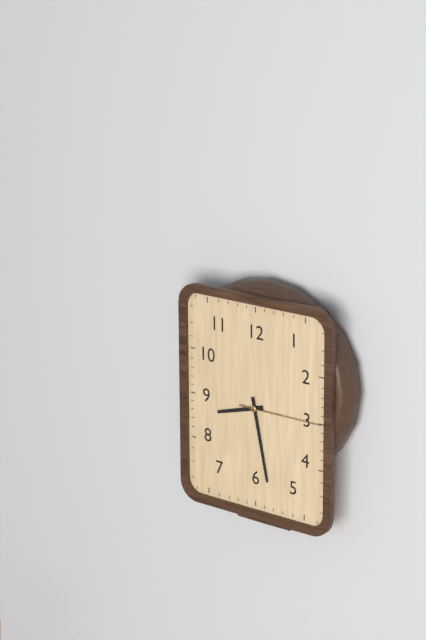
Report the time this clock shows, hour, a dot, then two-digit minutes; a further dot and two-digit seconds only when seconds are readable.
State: 8.28.15
